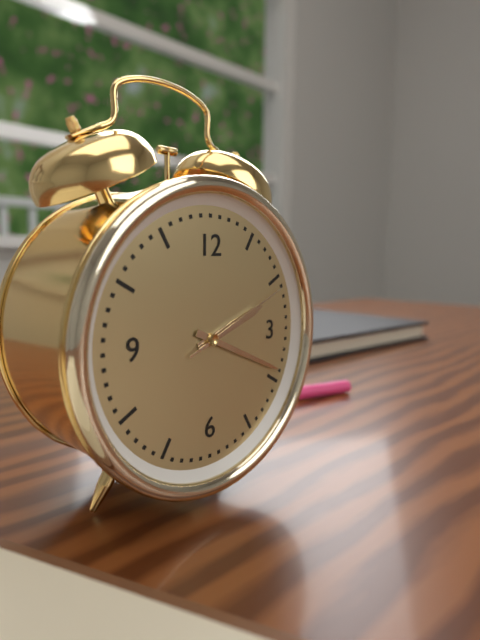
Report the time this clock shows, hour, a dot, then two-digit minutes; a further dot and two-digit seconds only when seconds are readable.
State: 2.19.11
